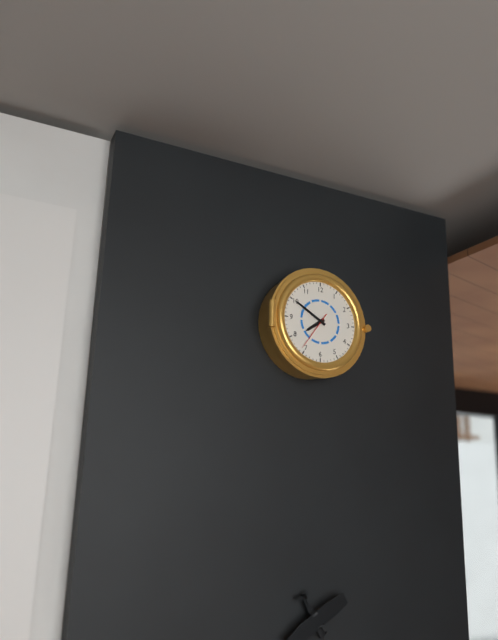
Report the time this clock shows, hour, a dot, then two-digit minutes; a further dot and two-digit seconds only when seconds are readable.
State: 7.50
